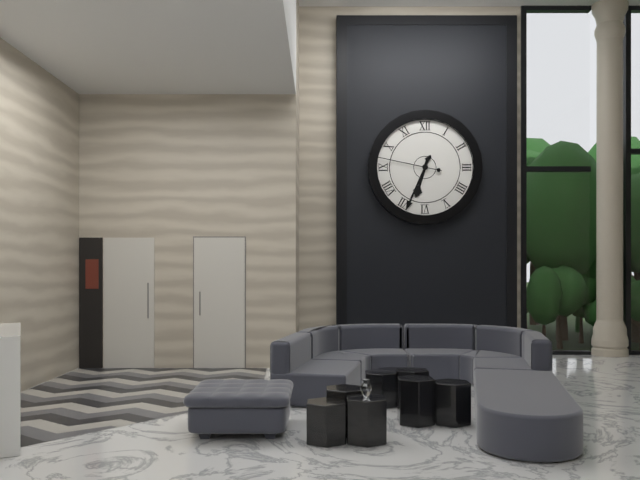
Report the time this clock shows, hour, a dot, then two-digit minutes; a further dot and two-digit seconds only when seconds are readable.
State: 6.34.47
